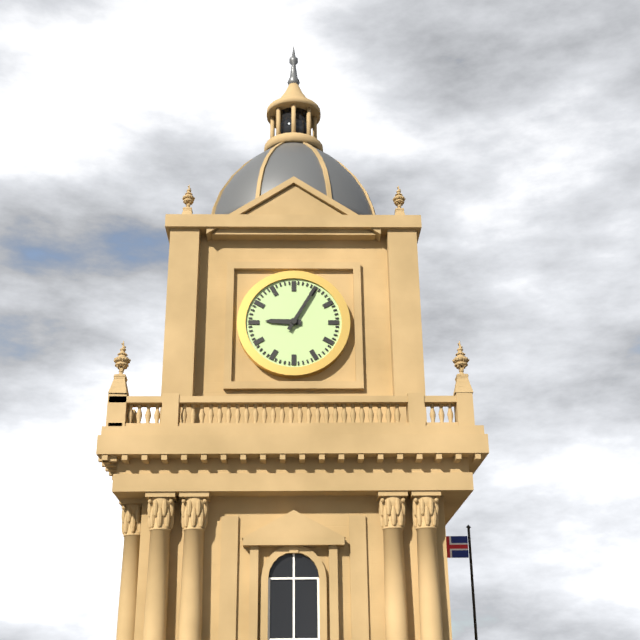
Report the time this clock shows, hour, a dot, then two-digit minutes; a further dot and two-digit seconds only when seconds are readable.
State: 9.05
